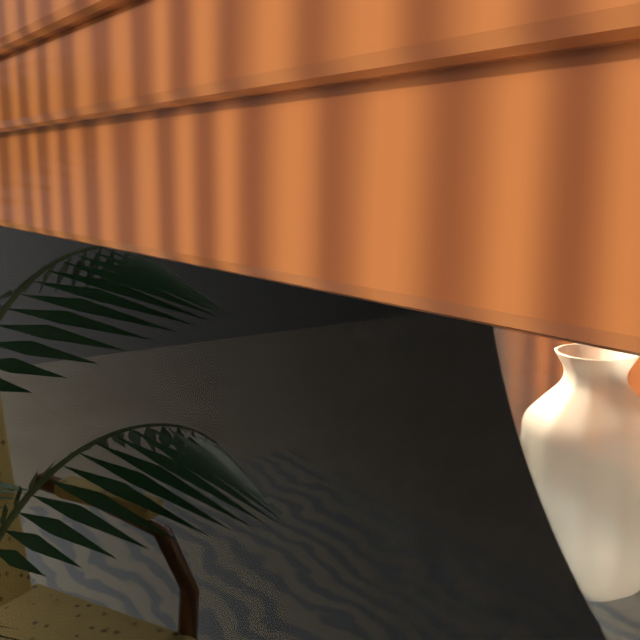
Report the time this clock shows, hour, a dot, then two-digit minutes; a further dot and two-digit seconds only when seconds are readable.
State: 8.35
